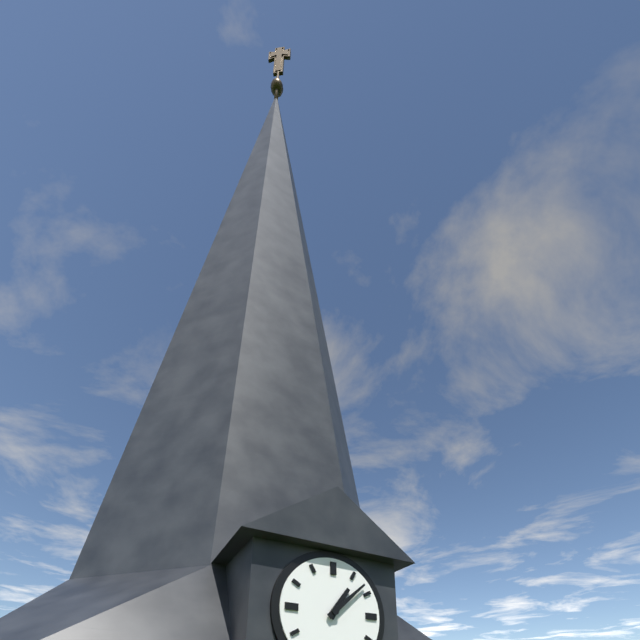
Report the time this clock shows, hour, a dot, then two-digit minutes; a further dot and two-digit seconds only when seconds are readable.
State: 1.08
